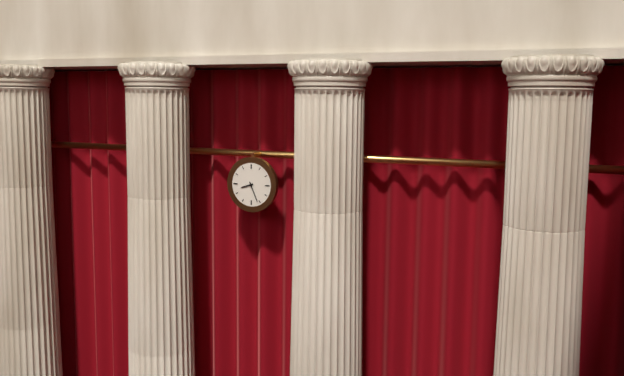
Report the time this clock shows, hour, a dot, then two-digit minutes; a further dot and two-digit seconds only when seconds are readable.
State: 8.26
